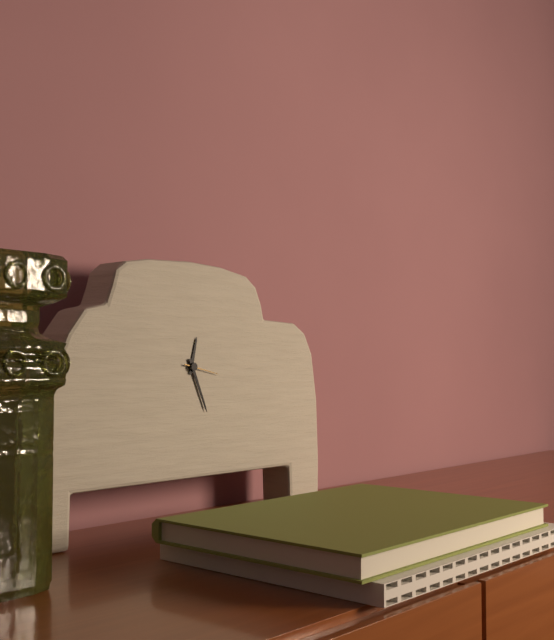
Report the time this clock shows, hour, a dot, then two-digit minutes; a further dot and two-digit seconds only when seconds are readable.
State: 12.26
